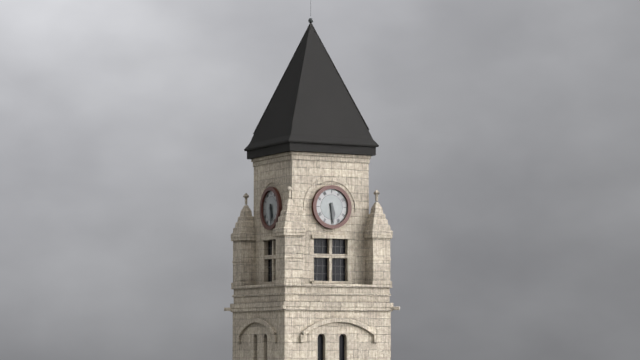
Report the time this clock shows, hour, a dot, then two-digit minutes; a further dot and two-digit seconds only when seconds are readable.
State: 5.29
